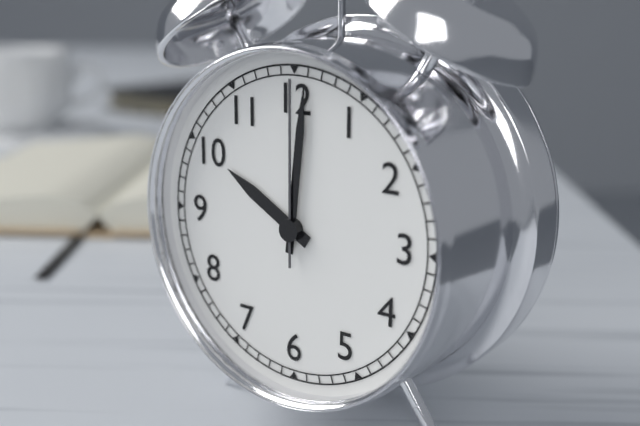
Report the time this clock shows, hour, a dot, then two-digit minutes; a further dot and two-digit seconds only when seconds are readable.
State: 10.01.00
